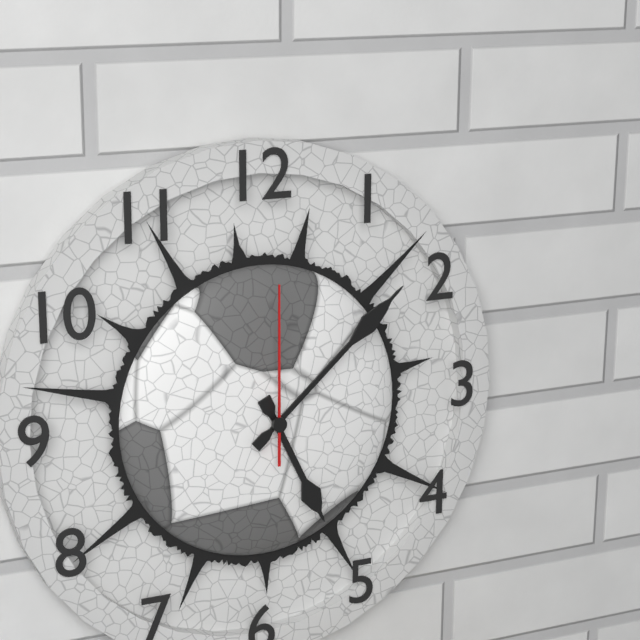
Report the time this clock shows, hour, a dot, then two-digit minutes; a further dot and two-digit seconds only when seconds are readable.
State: 5.08.00
